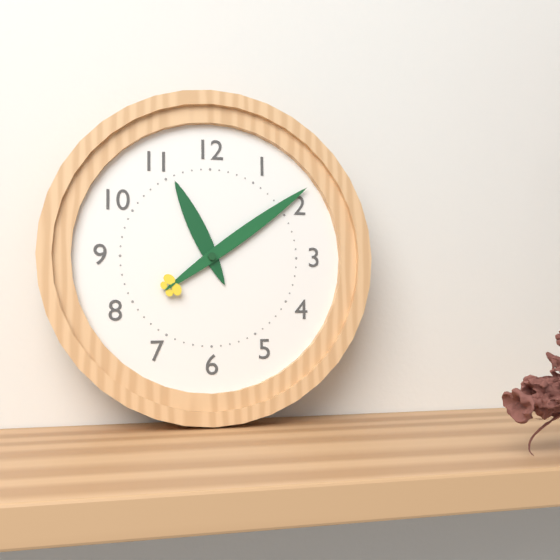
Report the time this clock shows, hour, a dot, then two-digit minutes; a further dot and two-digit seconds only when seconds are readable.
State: 11.09
